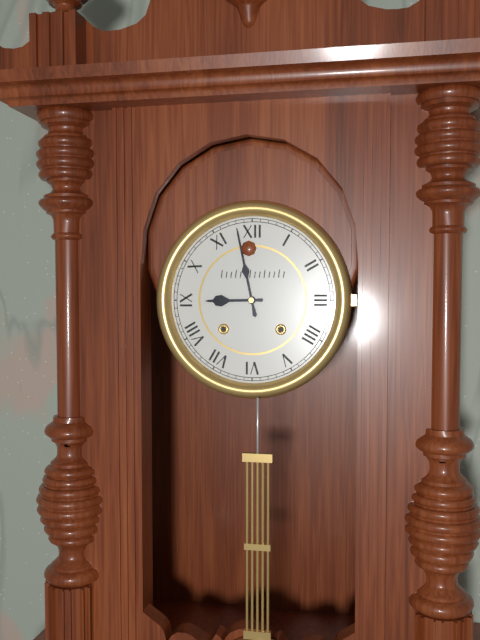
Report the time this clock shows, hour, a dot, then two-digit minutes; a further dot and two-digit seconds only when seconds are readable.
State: 8.58
